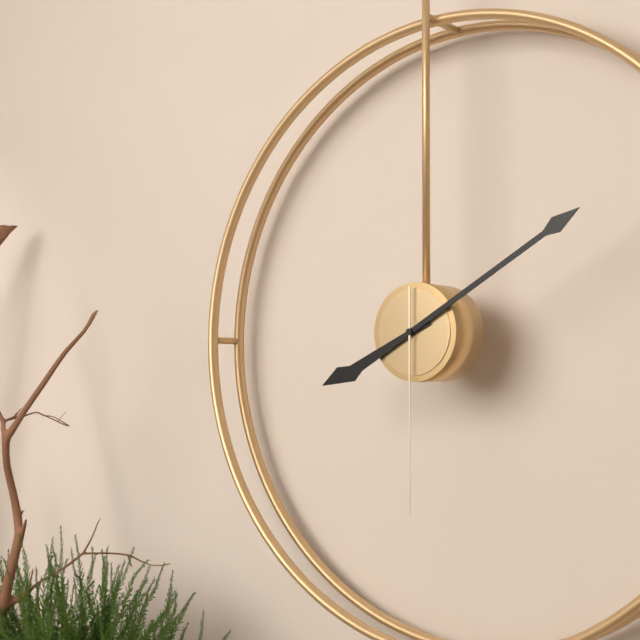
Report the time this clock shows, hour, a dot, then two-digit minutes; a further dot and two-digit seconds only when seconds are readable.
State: 8.10.30
